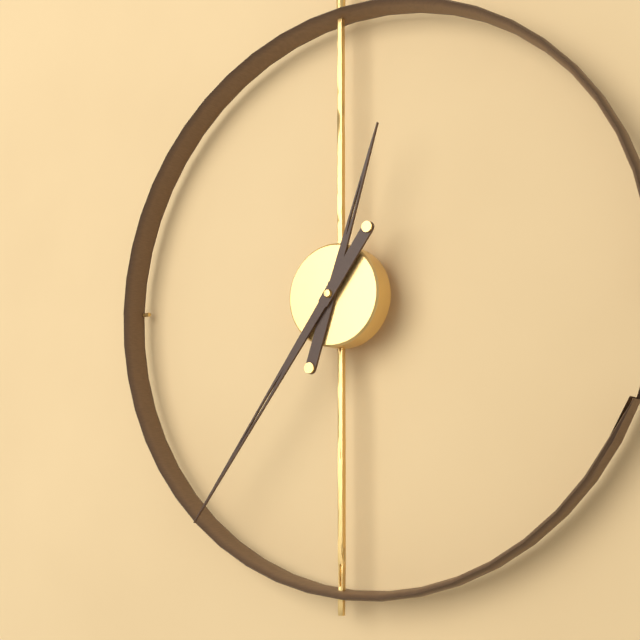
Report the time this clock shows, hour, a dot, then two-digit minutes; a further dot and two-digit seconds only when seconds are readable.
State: 12.36
